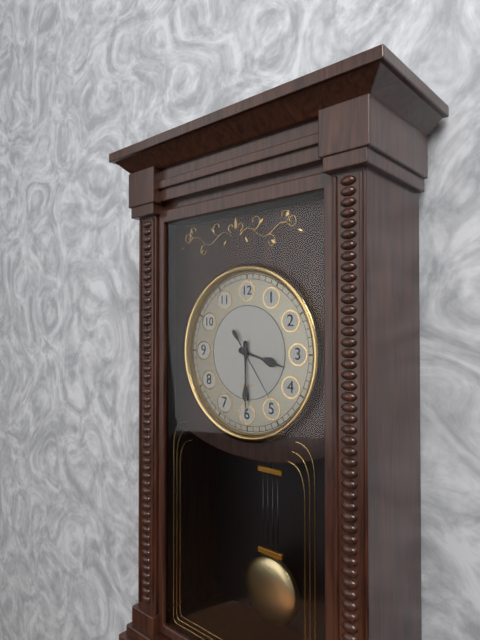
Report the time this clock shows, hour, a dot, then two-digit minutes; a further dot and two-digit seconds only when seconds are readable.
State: 3.30.24
